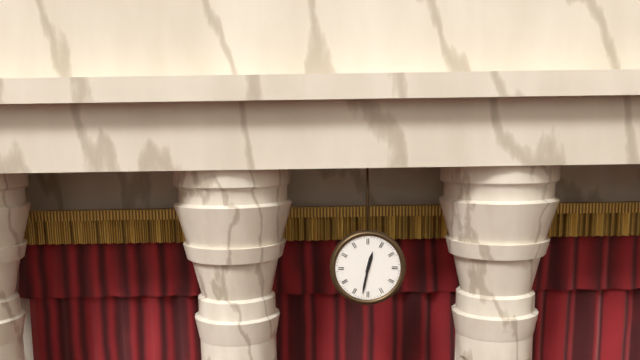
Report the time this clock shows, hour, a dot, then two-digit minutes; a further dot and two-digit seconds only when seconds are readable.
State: 12.32
